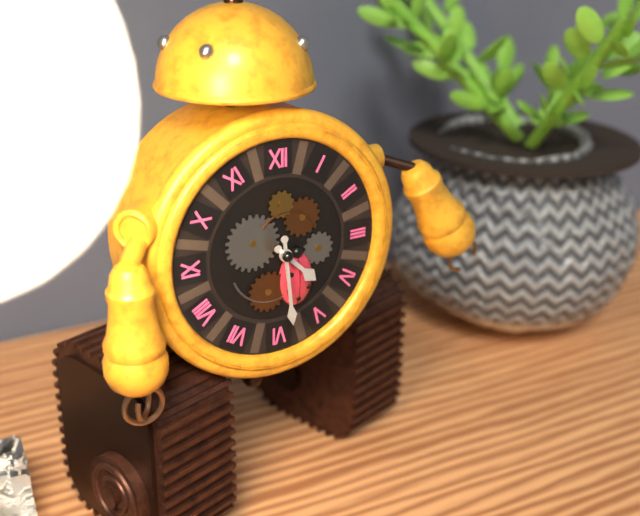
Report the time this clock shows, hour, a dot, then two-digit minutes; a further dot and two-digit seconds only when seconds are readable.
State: 4.29
